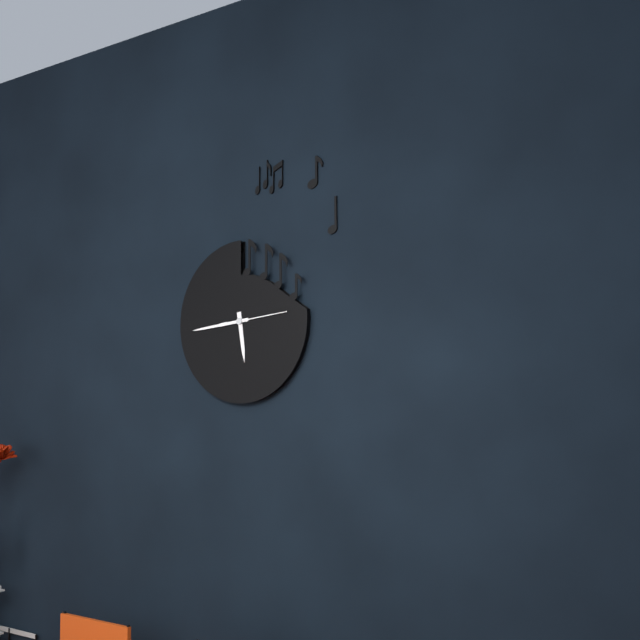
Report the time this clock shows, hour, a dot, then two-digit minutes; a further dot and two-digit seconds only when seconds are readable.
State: 5.44.14
